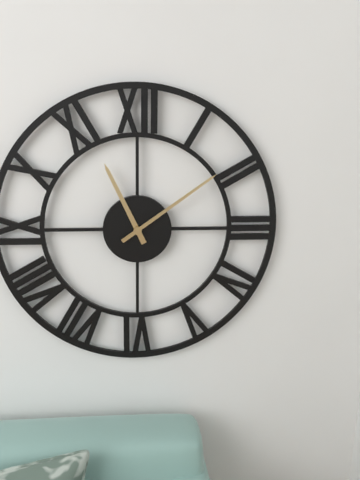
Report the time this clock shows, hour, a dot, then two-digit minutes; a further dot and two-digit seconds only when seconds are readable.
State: 11.09
